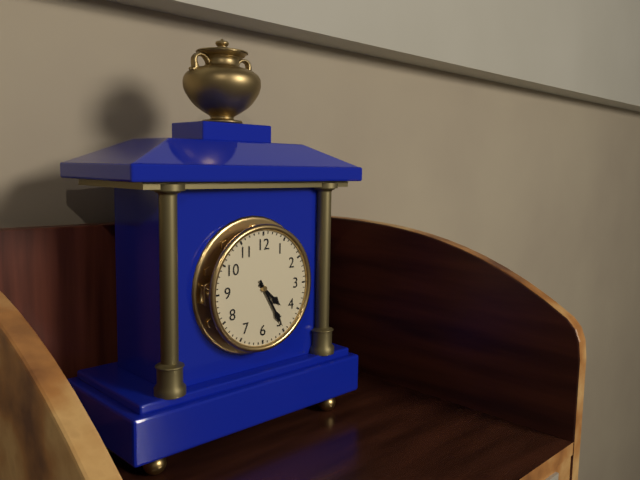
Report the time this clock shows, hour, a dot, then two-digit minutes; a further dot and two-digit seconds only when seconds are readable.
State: 4.25
